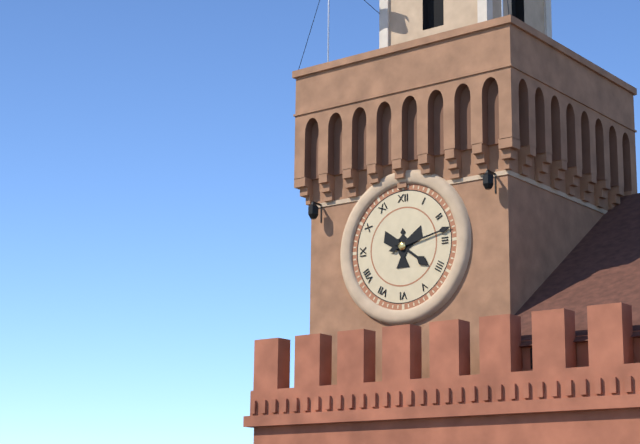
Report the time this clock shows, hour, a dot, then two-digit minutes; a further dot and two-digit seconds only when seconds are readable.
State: 4.13
